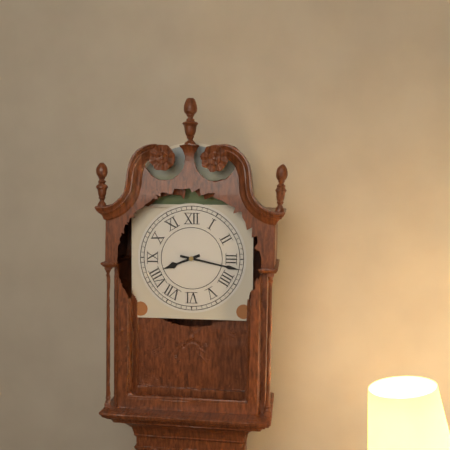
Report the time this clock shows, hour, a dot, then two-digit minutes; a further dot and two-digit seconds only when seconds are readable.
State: 8.17
